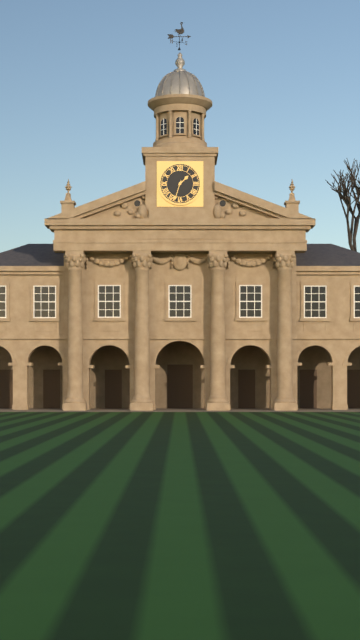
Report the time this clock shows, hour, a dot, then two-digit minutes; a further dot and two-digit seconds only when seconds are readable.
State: 1.33
